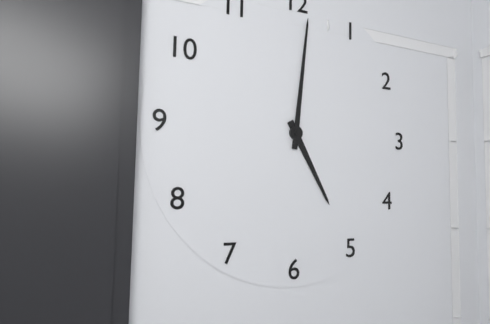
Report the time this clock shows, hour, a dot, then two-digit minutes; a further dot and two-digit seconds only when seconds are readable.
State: 5.01
